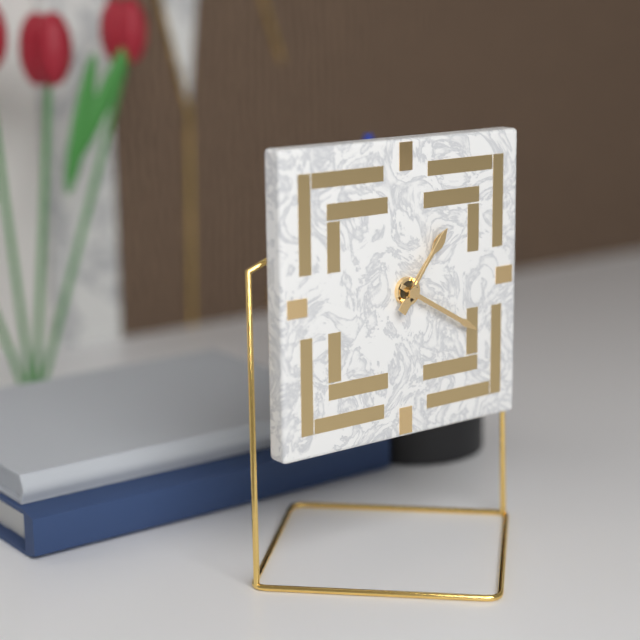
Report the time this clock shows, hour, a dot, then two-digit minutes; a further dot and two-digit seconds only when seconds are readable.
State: 1.20.06
